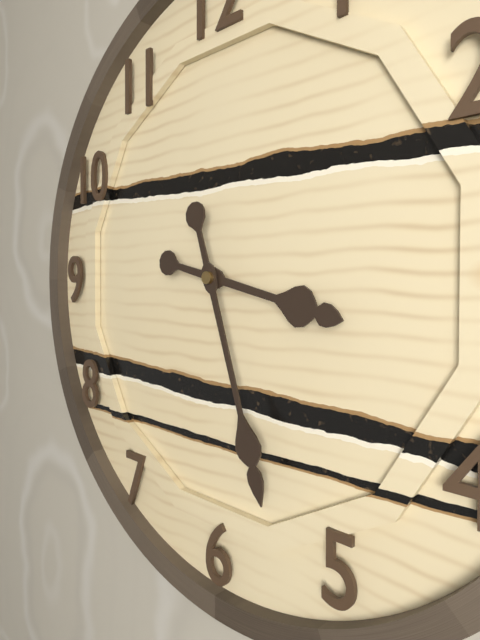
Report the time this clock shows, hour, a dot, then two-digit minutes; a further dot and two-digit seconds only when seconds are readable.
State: 3.27
